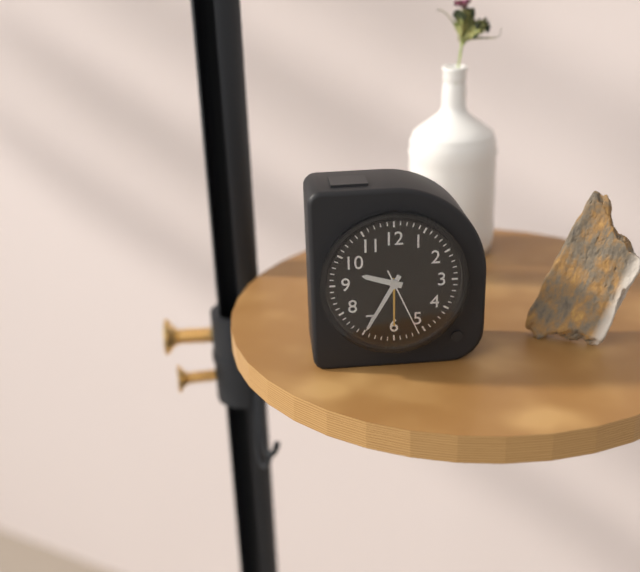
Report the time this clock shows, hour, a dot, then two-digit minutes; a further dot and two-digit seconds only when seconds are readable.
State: 9.35.26
